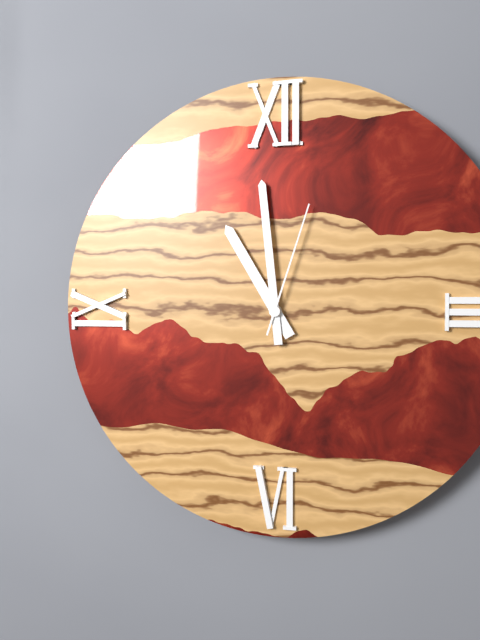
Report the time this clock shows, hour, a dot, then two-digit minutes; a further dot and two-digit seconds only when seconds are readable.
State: 10.59.03
